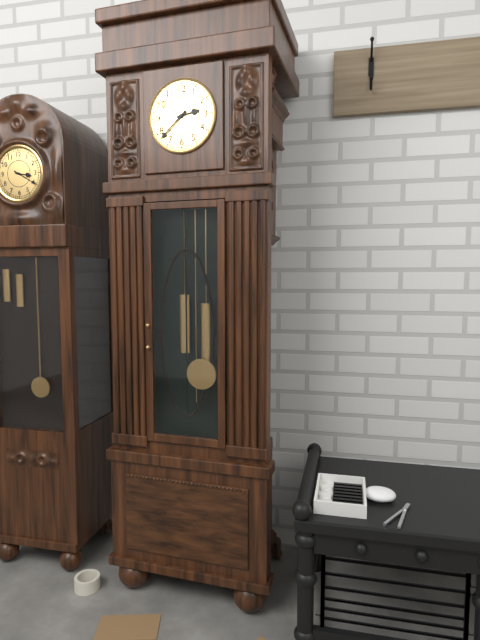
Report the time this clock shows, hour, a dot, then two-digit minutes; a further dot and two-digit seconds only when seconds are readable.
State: 2.38
